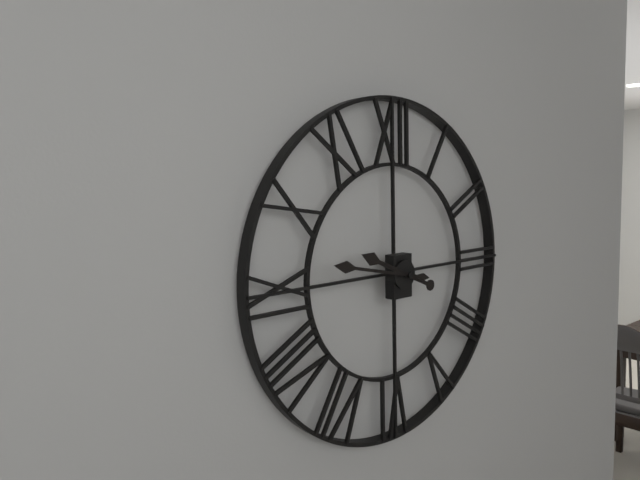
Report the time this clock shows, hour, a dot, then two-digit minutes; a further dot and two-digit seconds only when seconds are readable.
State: 9.47
